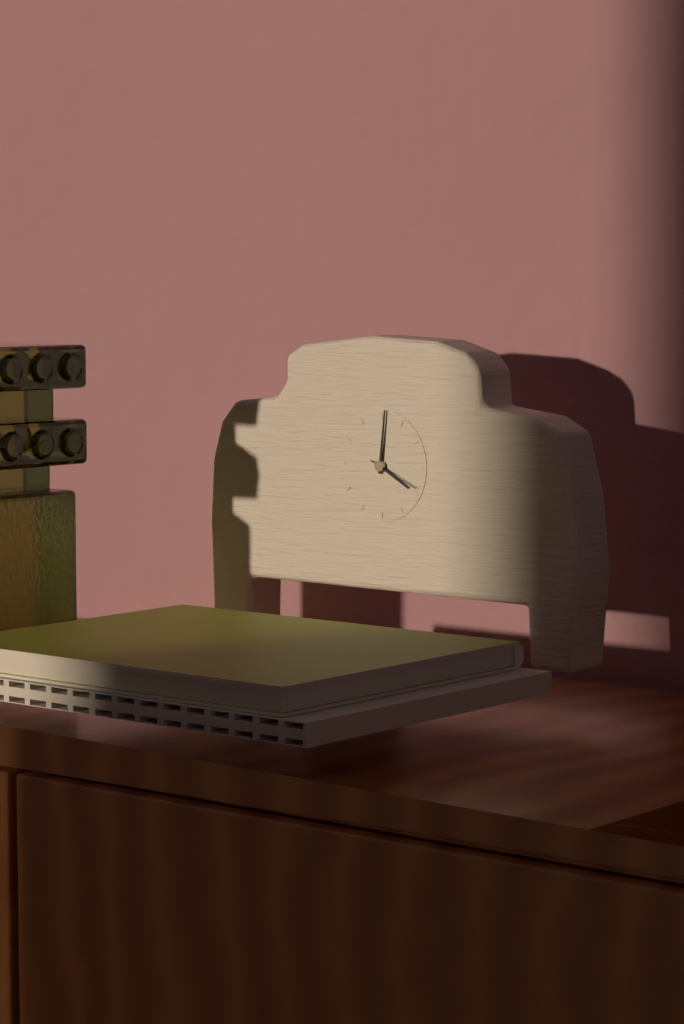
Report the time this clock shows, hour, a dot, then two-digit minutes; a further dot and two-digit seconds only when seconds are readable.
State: 4.01.19
